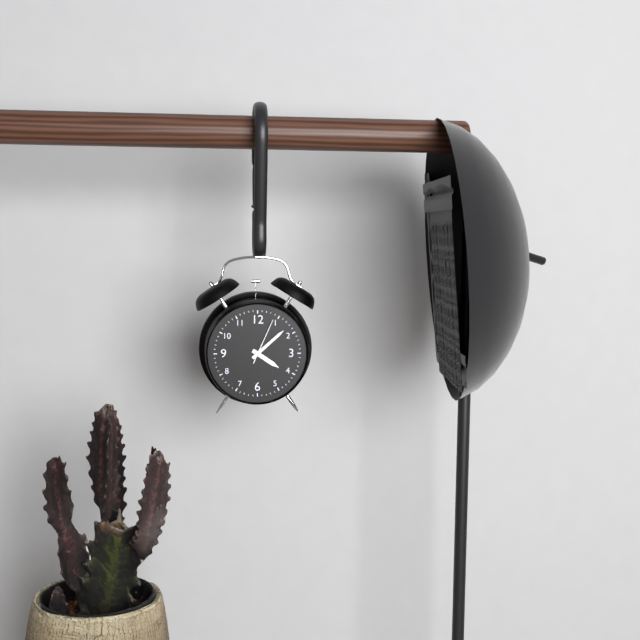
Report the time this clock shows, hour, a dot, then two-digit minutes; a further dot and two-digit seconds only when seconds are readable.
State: 4.08
